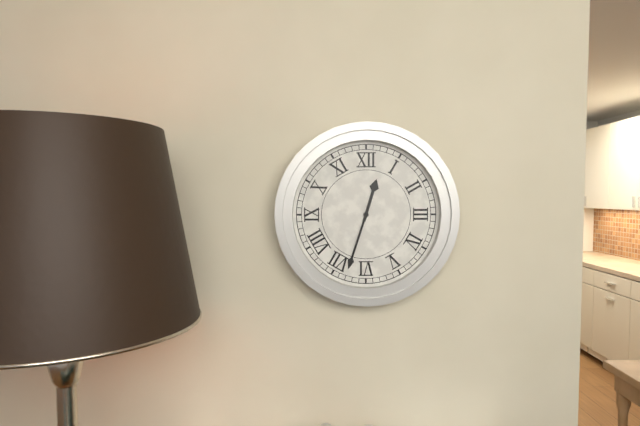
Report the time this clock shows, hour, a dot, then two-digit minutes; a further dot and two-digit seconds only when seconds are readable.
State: 12.33
